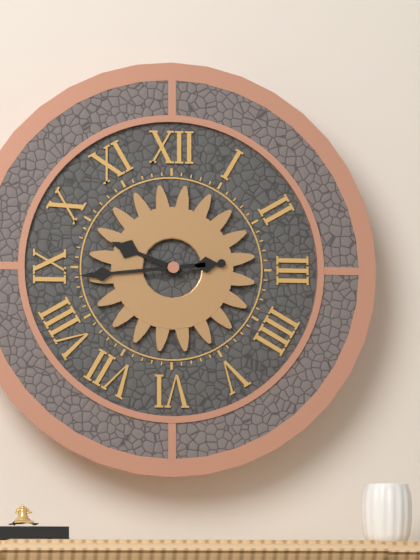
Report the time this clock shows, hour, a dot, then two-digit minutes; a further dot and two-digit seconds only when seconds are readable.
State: 9.44
